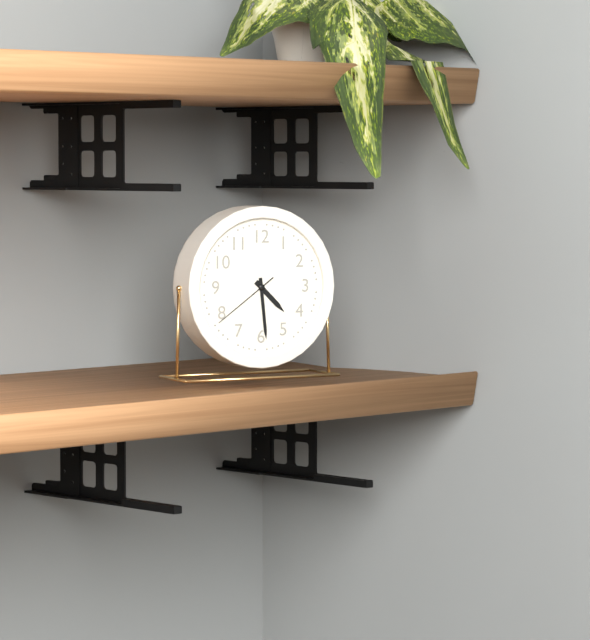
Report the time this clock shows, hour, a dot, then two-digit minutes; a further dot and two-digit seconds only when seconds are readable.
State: 4.29.39
